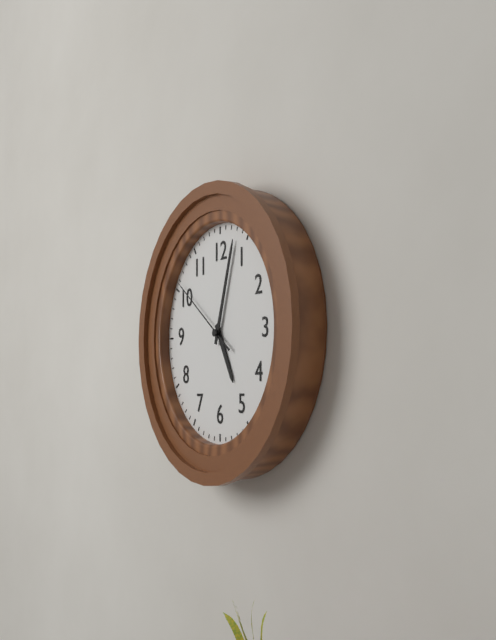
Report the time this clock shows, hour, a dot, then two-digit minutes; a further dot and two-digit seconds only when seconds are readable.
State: 5.03.51
